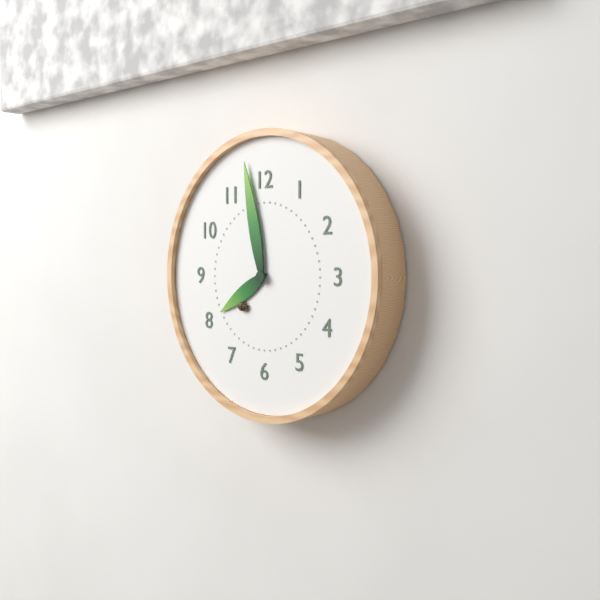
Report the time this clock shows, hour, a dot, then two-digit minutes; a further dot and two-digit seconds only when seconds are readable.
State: 7.58
